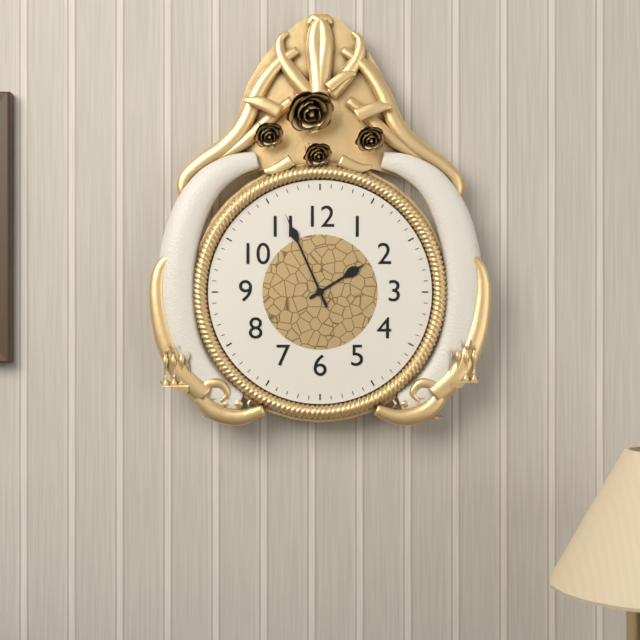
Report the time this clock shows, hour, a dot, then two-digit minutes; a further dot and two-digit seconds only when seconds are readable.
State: 1.56
